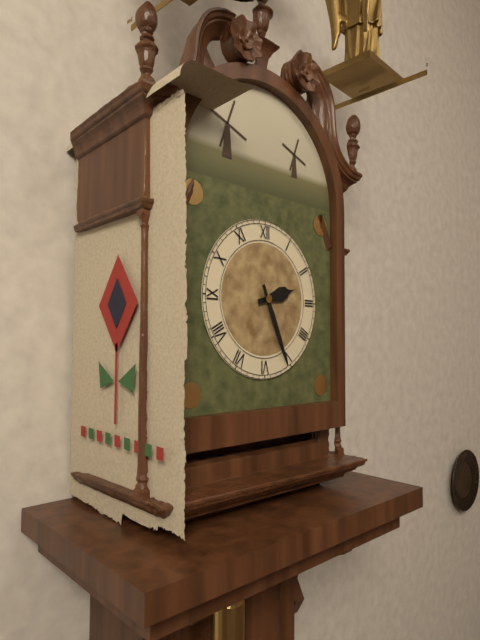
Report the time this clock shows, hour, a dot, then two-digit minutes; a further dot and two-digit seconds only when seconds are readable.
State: 2.26
